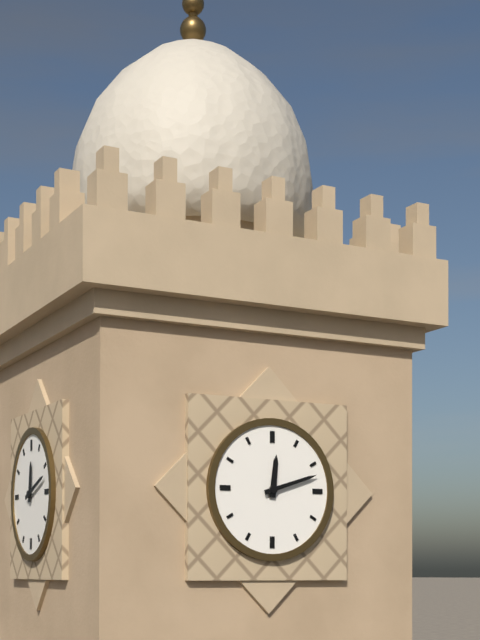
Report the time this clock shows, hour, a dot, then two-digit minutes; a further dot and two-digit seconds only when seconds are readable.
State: 12.12
